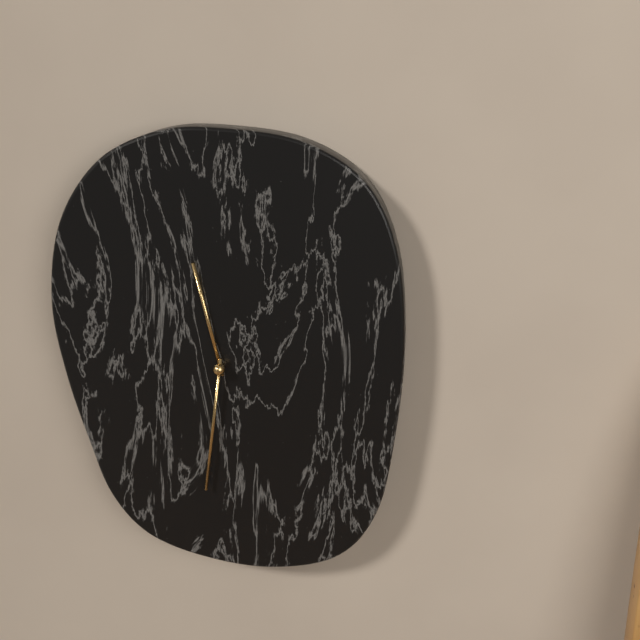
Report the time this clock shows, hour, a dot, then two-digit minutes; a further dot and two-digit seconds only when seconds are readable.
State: 11.31
